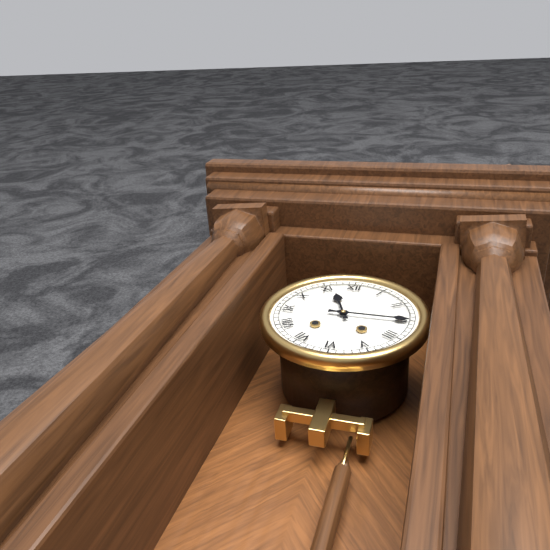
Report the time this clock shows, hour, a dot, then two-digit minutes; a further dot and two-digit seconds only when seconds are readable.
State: 11.15
